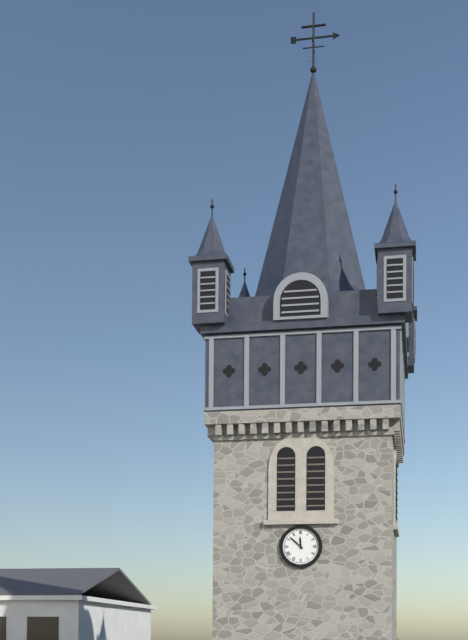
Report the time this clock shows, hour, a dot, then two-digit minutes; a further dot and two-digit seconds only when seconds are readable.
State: 11.52
